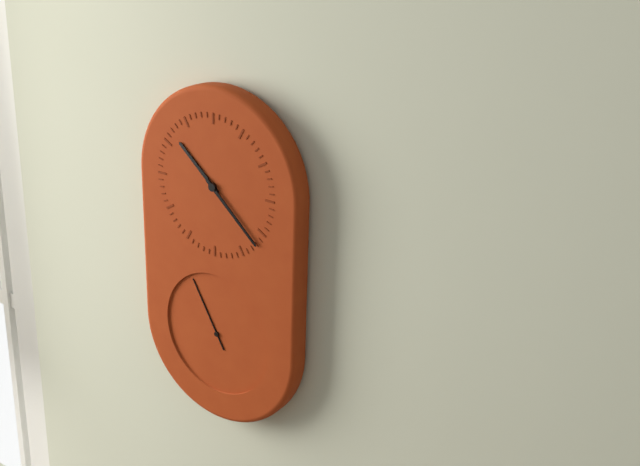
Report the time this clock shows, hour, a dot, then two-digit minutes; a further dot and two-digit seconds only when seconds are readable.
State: 10.22.55
